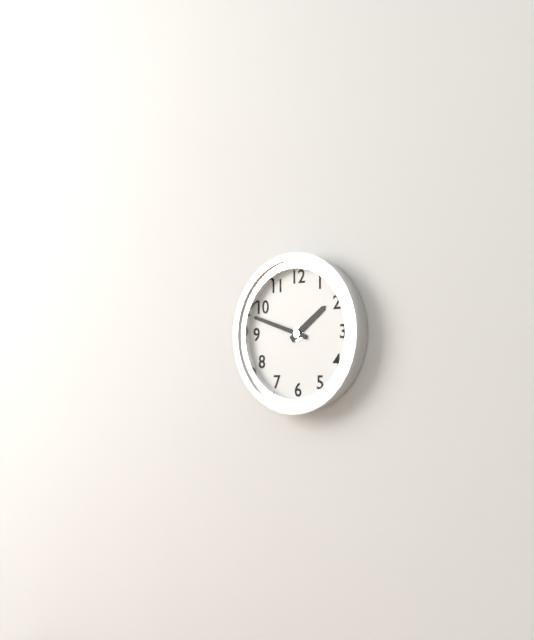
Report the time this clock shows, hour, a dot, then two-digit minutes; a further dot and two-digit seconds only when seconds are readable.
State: 1.48
